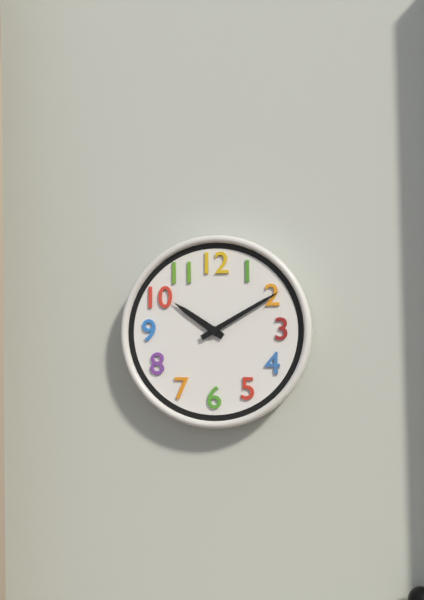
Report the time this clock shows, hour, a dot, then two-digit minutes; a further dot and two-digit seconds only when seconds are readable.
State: 10.10
